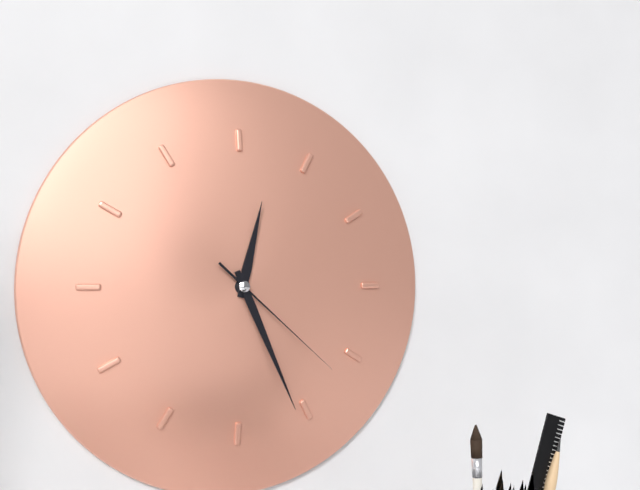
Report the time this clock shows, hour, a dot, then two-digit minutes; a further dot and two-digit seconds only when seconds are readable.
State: 12.26.22
